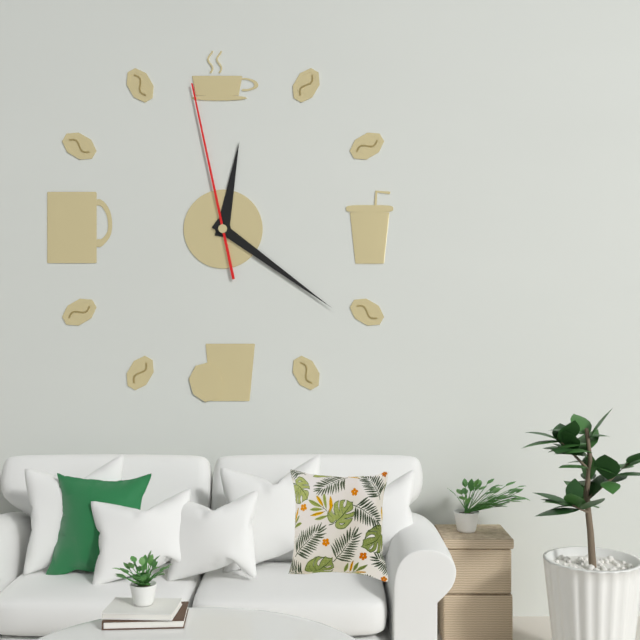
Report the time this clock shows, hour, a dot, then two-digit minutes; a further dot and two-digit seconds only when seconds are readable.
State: 12.21.58
